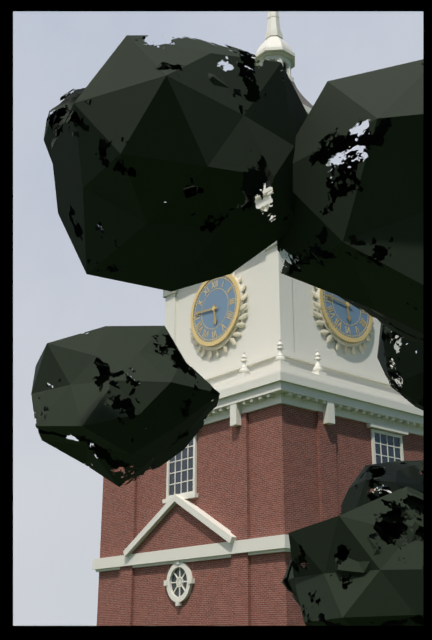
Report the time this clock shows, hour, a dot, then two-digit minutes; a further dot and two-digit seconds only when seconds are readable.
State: 5.46
